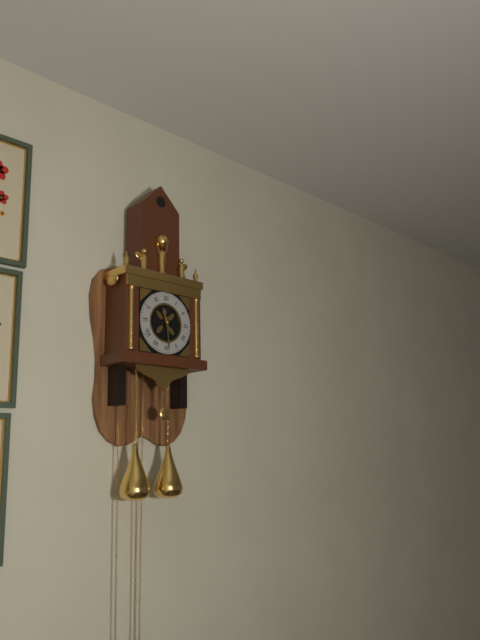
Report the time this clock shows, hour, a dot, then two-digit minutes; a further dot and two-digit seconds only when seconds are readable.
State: 11.29
